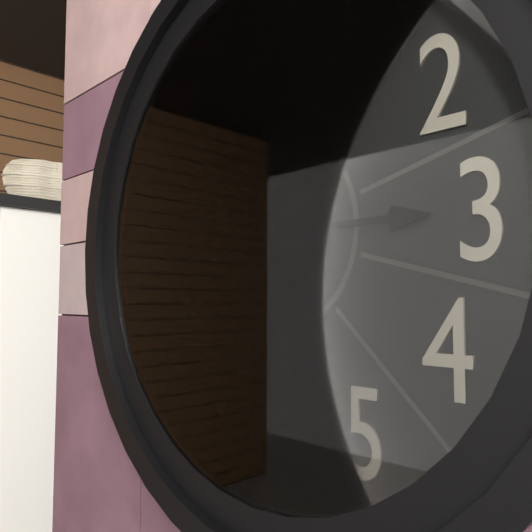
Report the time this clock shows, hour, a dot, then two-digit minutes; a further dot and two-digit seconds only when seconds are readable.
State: 10.15
